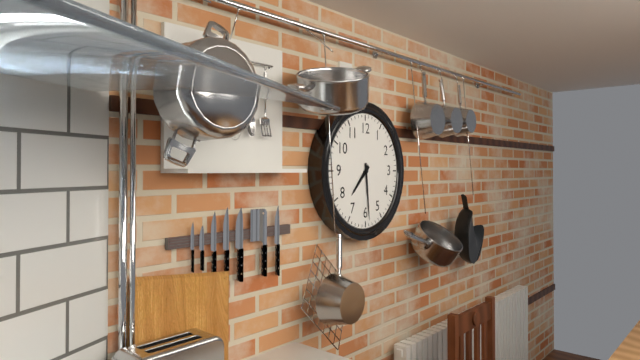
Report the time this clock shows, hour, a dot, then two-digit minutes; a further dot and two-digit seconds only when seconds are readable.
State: 7.29
